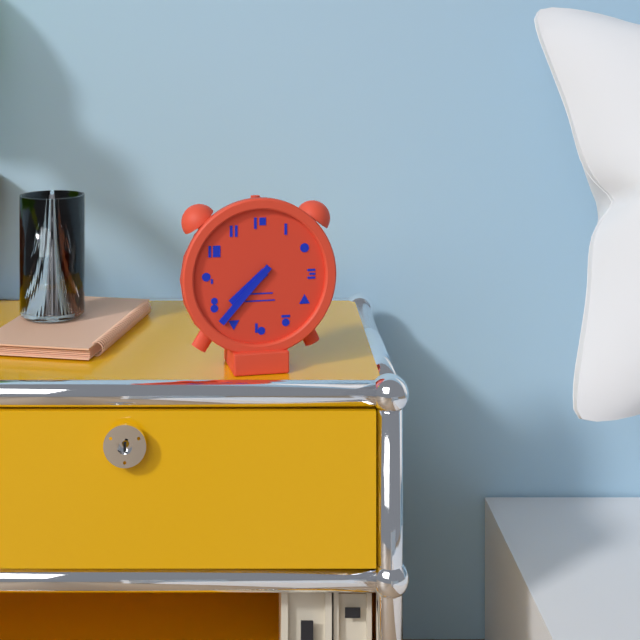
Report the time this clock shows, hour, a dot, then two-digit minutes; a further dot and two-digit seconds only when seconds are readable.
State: 7.37
